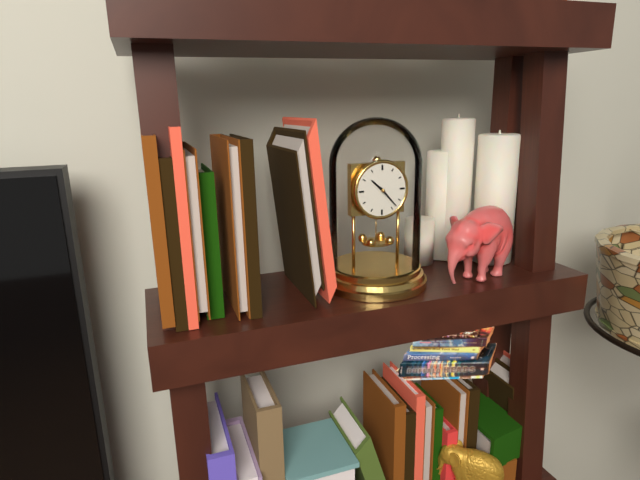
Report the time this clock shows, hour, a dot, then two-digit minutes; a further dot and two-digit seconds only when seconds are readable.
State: 10.23
